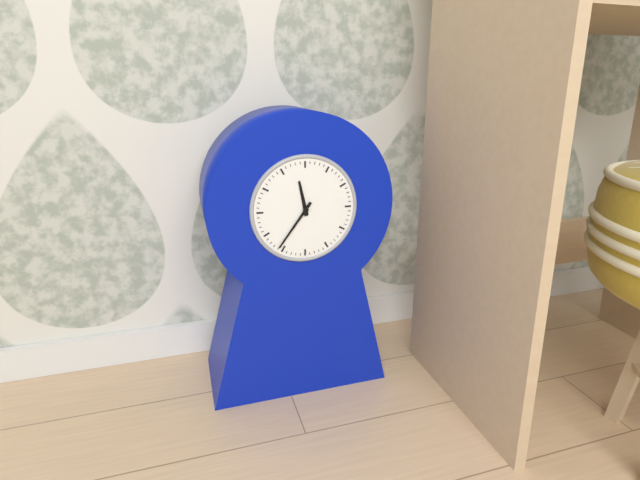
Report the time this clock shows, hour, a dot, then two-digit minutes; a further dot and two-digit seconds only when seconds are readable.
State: 11.36
